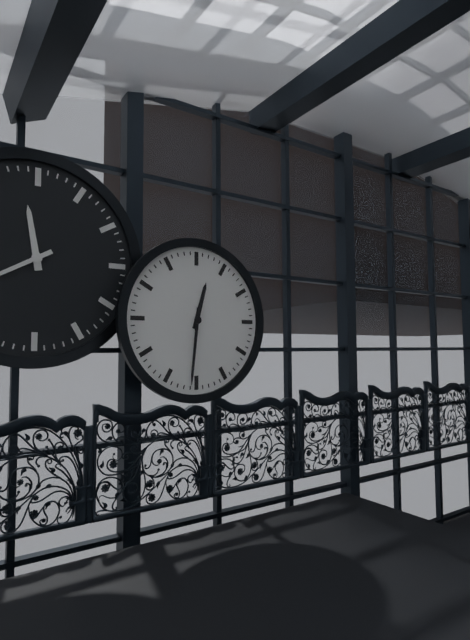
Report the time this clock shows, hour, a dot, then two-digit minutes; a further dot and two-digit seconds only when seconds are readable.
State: 12.31
